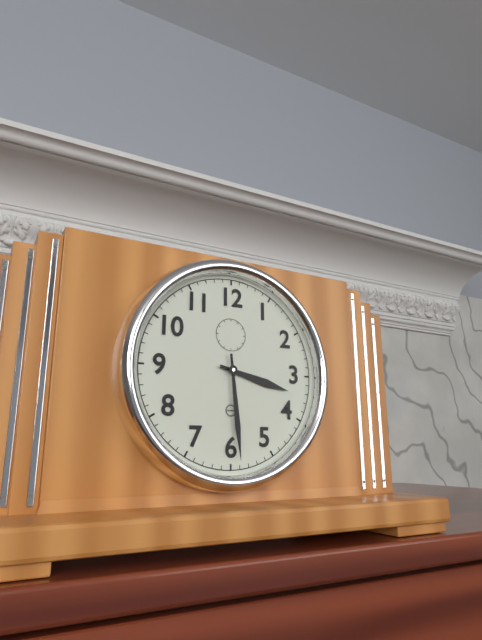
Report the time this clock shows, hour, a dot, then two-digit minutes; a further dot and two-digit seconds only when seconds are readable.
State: 3.29
